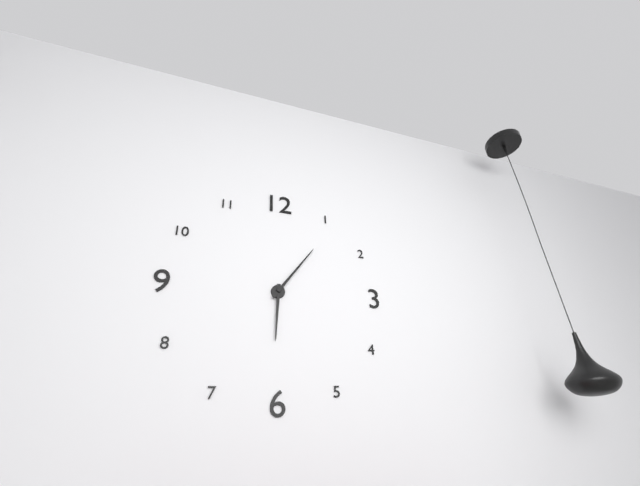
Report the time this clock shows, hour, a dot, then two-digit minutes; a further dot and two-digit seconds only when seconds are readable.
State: 6.06
